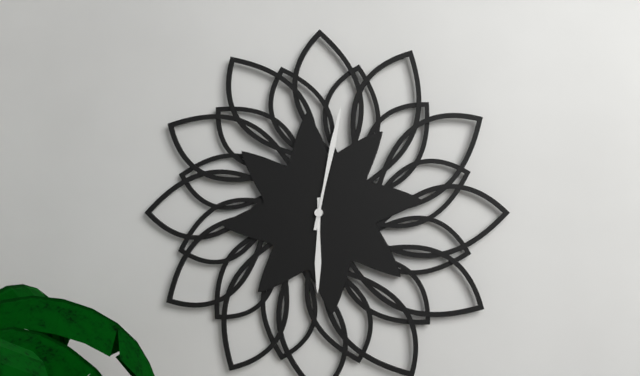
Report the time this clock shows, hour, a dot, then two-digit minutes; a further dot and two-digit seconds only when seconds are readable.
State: 6.02
